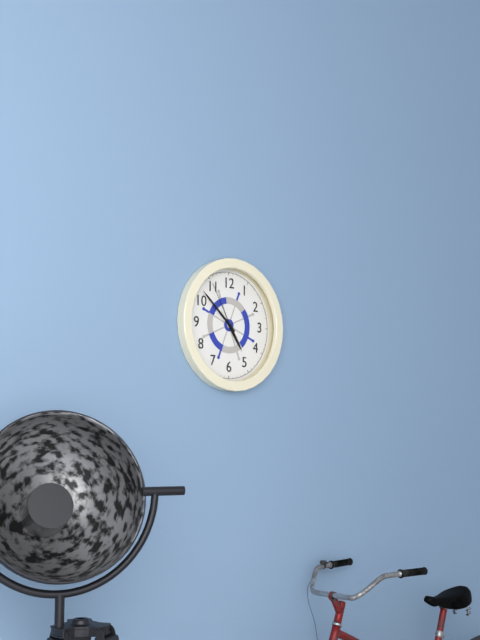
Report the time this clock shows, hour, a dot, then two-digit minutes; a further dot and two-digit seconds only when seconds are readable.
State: 4.52.55
